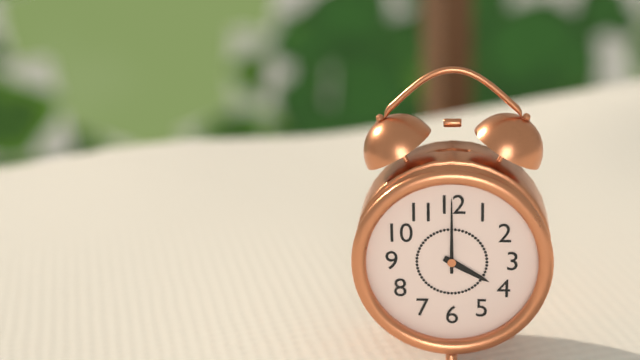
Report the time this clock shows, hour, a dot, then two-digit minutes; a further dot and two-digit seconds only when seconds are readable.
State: 4.00
